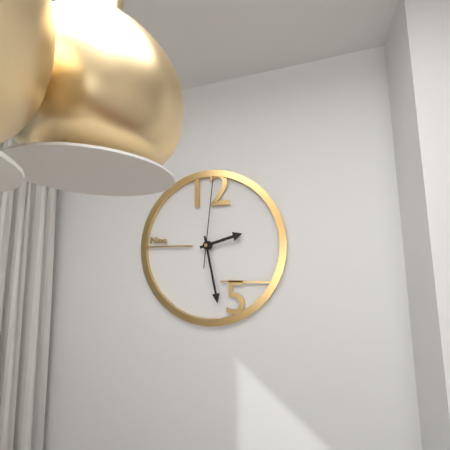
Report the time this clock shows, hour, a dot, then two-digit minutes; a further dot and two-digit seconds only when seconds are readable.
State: 2.28.01
